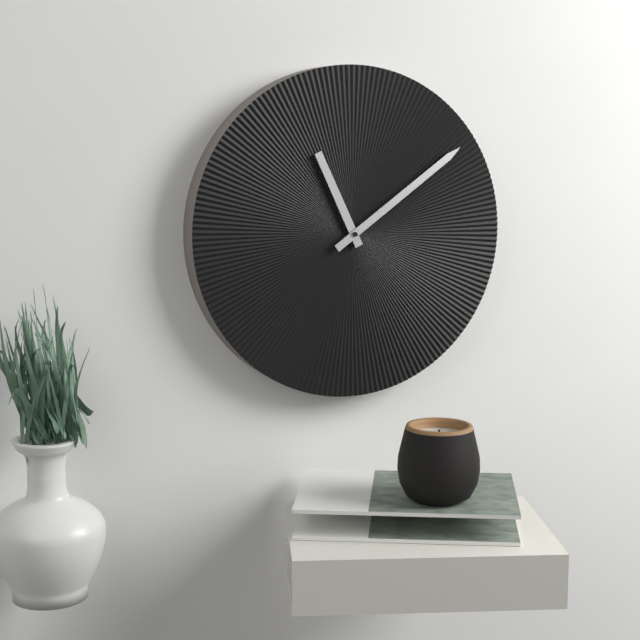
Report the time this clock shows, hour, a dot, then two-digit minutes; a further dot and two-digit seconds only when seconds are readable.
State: 11.09
